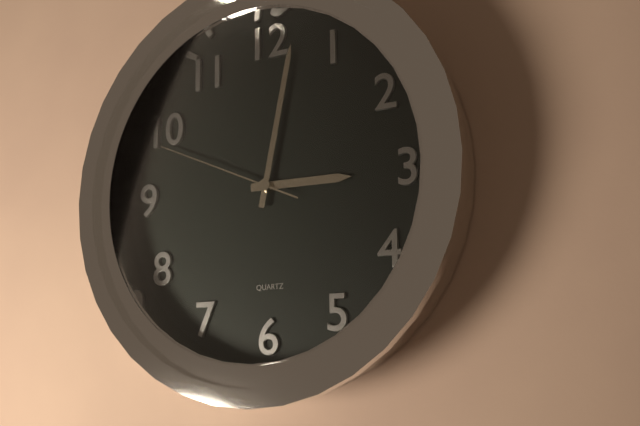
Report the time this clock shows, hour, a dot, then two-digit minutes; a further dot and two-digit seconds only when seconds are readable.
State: 3.02.49
